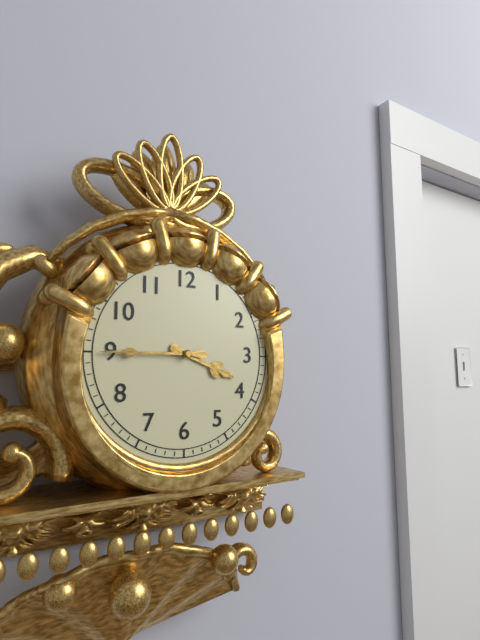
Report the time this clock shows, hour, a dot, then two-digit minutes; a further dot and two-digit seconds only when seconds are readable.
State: 3.45
